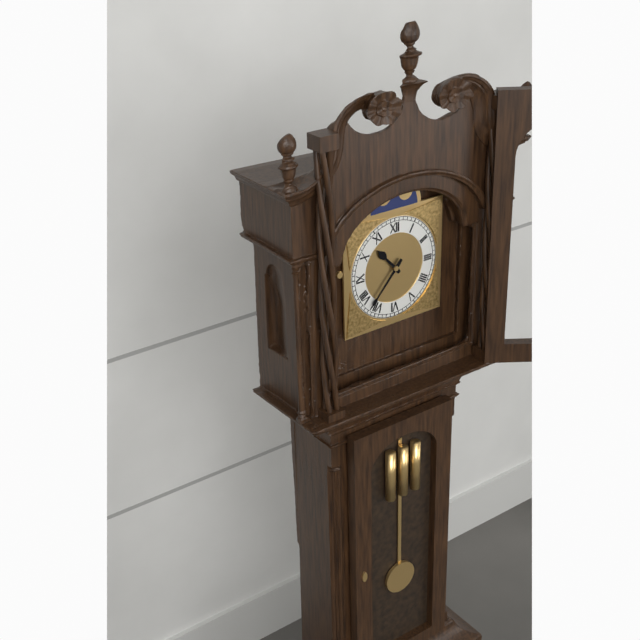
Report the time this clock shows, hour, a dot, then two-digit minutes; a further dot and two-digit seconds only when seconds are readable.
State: 10.37
